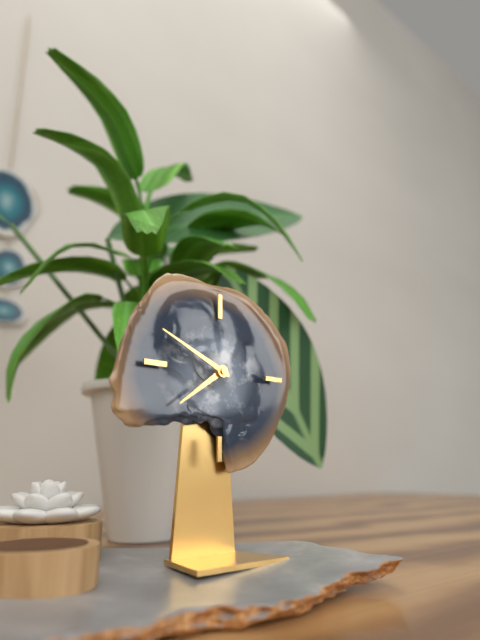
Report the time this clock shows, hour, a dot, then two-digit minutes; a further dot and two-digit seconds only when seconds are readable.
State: 7.49
